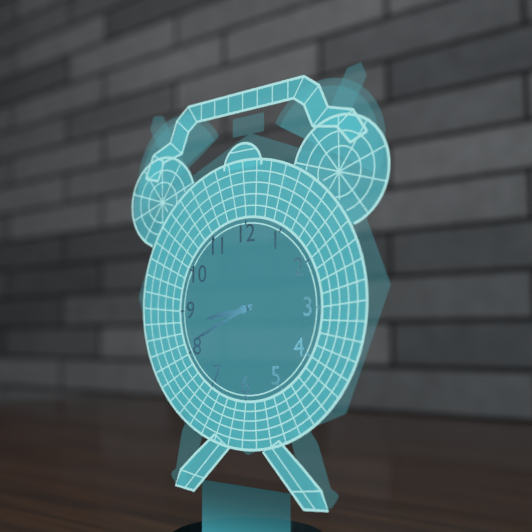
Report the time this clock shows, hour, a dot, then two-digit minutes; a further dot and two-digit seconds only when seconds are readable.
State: 8.41
